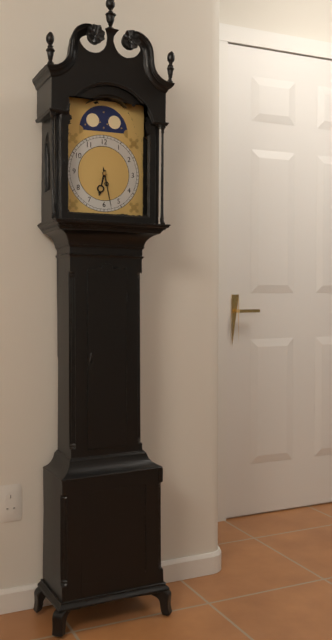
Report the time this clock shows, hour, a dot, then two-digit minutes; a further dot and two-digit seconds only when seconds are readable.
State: 6.28
